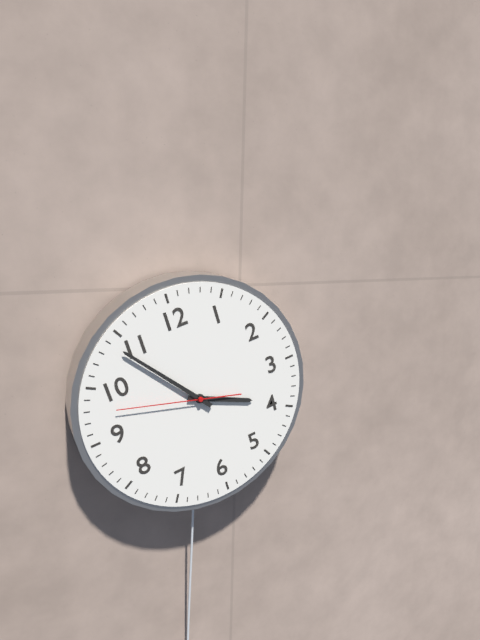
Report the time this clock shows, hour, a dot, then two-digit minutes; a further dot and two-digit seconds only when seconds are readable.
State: 3.54.48
